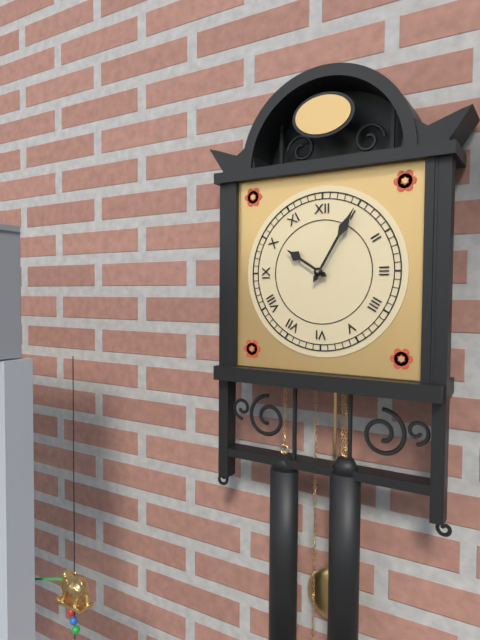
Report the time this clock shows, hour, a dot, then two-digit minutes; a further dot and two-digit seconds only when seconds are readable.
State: 10.05
